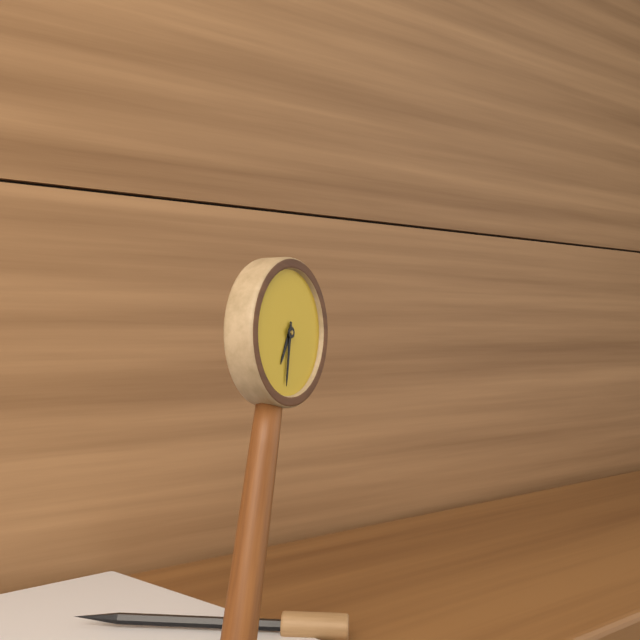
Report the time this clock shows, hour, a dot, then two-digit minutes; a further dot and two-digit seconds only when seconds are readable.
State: 6.29
